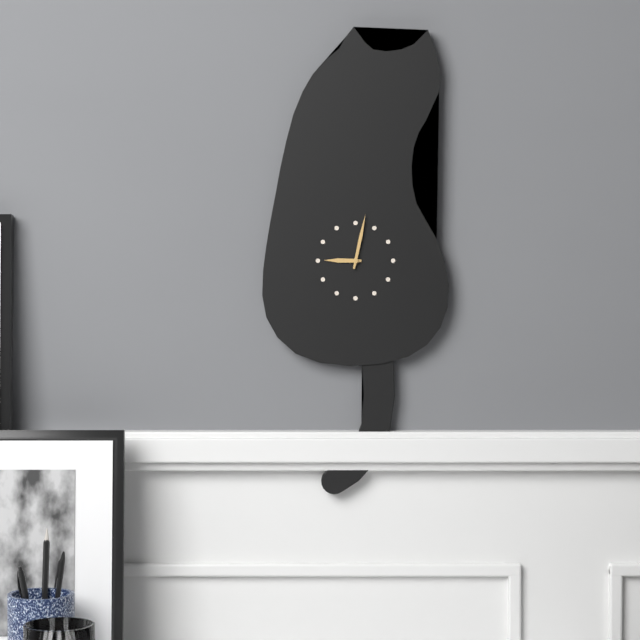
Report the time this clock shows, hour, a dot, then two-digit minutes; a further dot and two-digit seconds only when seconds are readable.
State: 9.02
